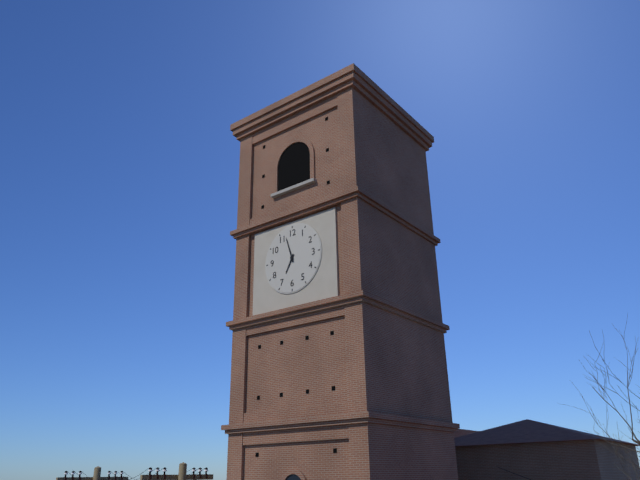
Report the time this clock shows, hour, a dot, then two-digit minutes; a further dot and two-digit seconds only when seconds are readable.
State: 6.57
